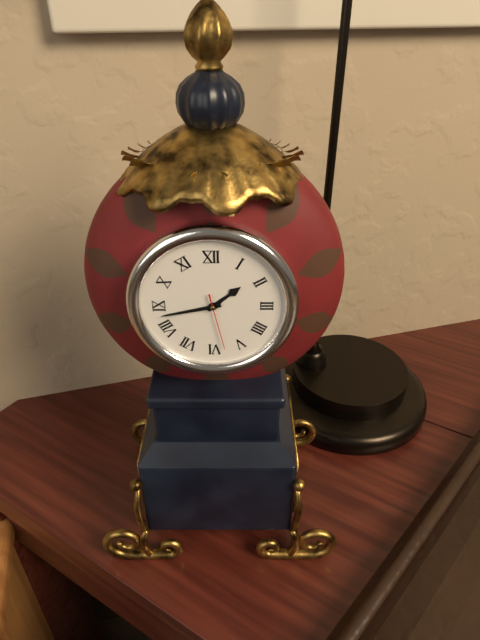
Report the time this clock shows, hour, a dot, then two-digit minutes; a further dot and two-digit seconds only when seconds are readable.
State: 1.43.28
